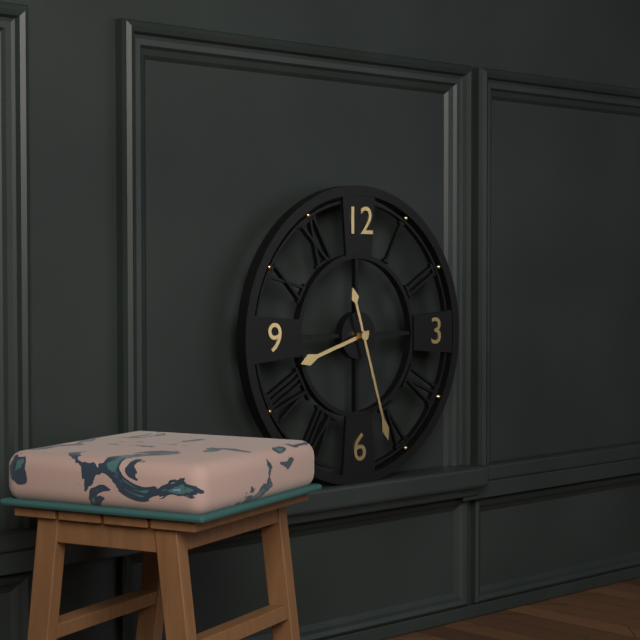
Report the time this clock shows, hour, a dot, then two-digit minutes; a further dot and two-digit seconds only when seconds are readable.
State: 8.27
